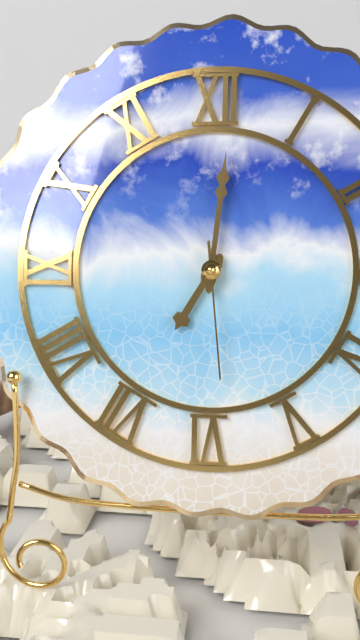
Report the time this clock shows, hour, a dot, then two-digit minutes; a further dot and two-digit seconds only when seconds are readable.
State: 7.01.29
